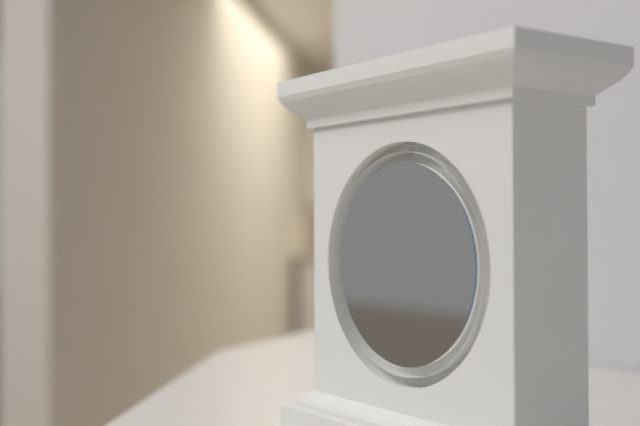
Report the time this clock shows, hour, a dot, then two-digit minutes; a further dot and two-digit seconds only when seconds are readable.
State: 11.49
